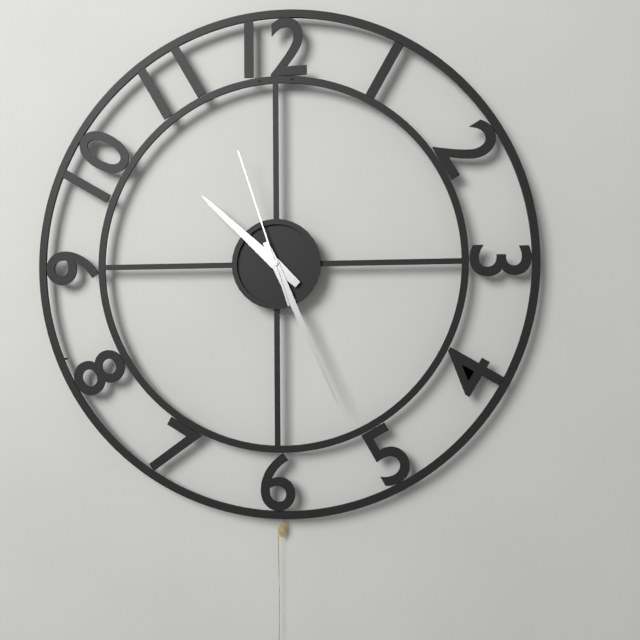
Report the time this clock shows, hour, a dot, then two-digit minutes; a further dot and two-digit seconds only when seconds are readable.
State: 10.26.57
